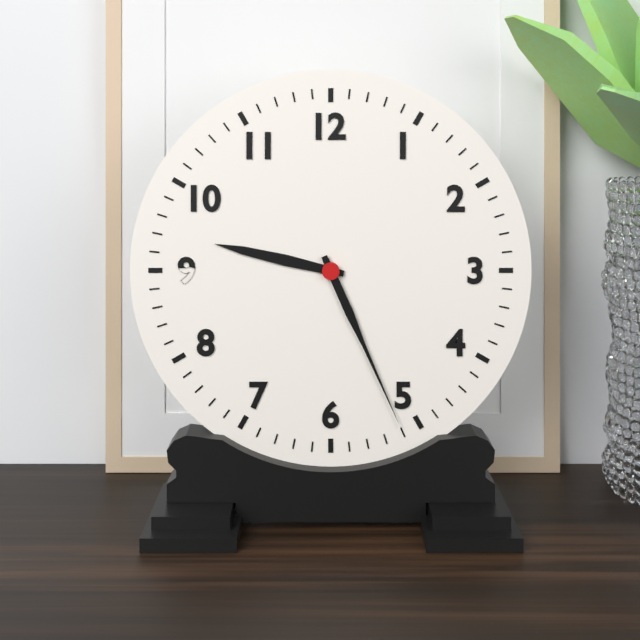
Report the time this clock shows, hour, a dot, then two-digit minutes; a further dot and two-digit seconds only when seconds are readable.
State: 9.26
